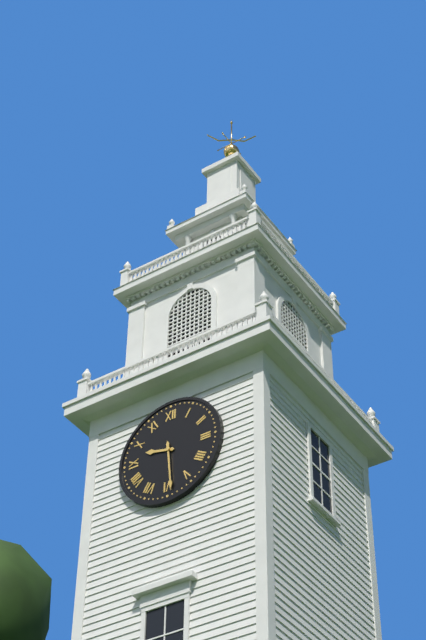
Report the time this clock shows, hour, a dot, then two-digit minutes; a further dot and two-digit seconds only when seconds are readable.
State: 9.29
